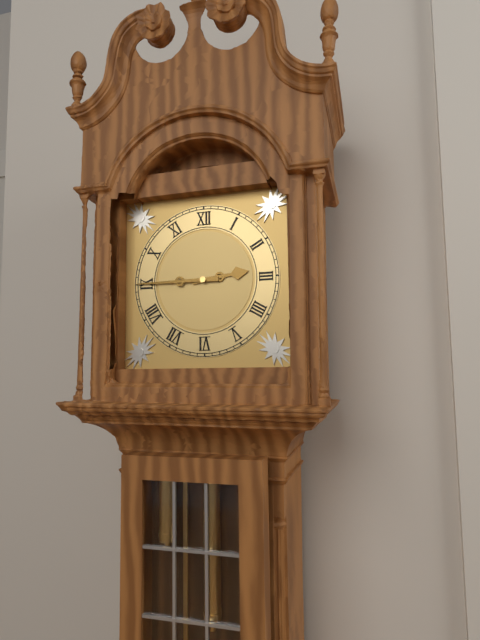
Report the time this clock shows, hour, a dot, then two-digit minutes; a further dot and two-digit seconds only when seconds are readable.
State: 2.45
